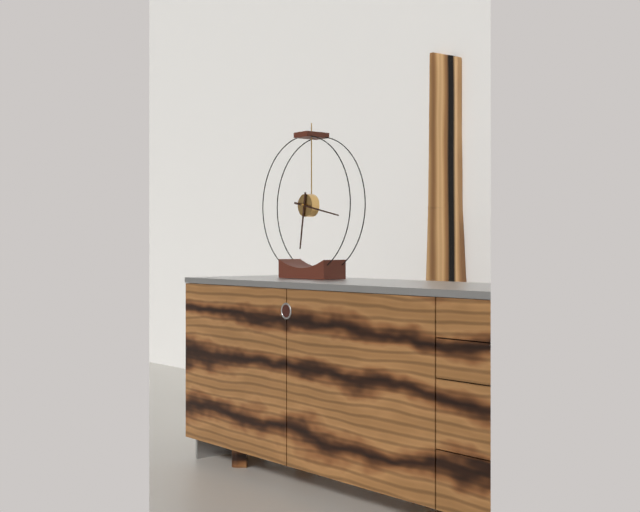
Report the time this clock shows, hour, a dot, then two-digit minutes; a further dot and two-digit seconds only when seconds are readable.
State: 6.17
